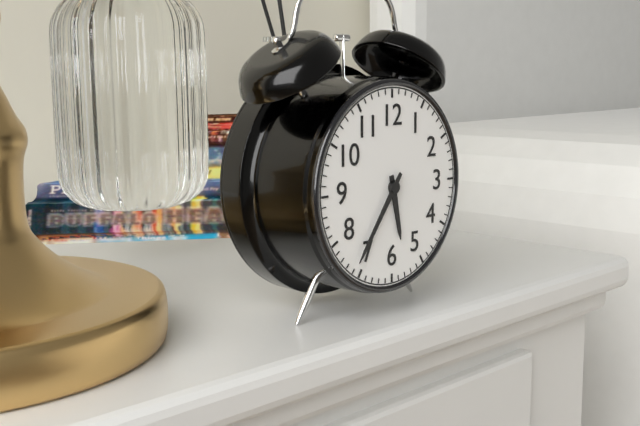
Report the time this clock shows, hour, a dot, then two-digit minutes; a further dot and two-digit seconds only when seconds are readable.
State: 5.36
